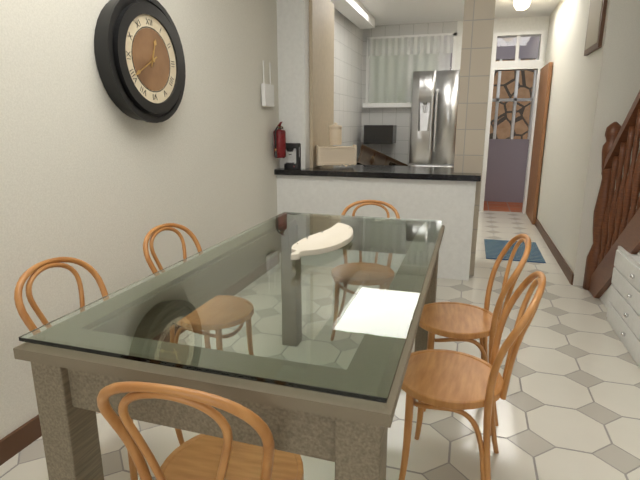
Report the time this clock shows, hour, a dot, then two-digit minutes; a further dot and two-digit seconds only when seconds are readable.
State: 12.40
